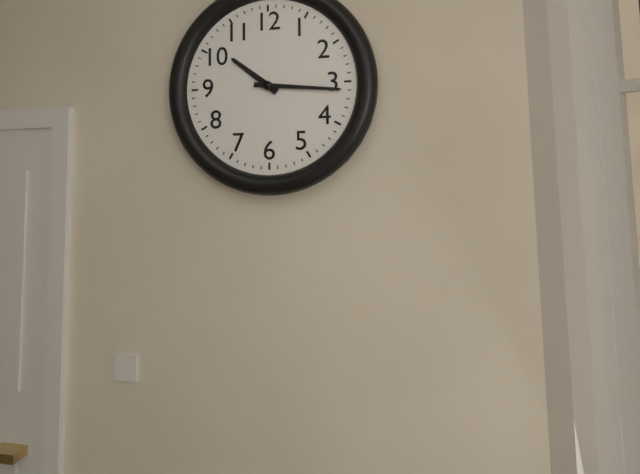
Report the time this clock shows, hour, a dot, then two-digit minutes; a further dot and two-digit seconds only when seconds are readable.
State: 10.16
